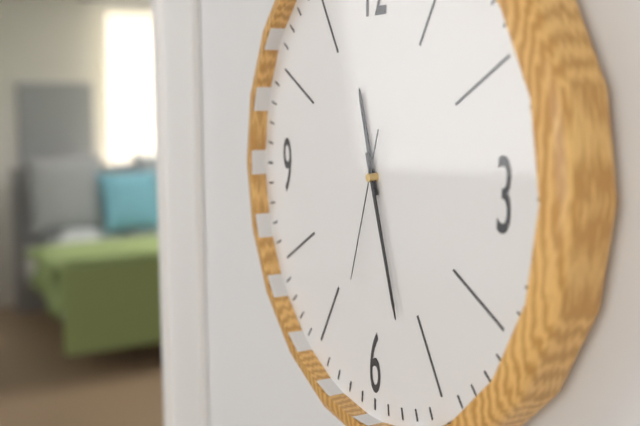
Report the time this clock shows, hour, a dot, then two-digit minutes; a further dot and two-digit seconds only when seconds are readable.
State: 11.27.33
